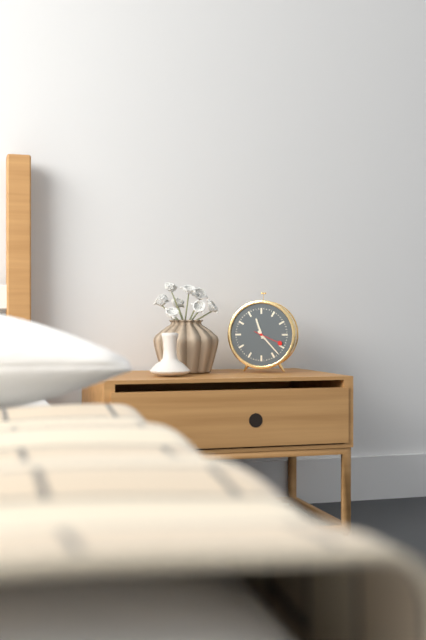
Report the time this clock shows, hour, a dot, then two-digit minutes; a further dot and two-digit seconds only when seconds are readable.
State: 11.23
